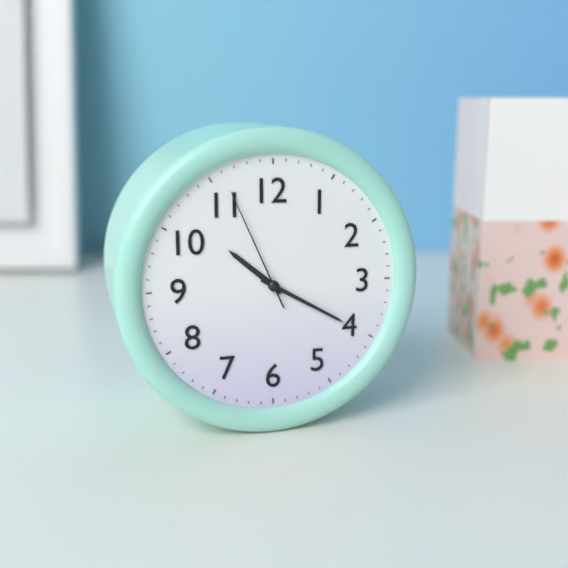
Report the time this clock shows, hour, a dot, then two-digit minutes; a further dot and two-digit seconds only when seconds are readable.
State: 10.20.56
